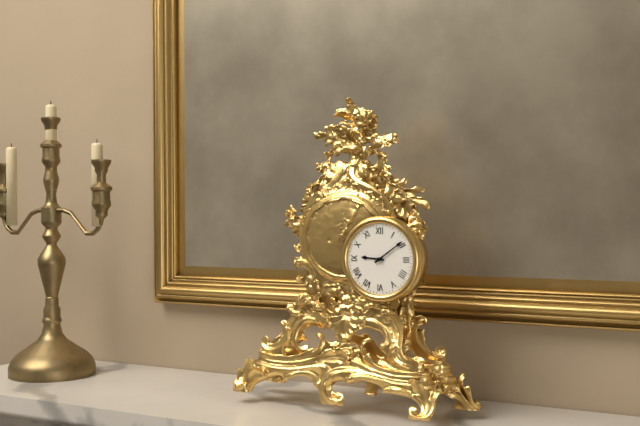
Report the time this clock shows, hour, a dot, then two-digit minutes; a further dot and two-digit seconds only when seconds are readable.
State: 9.09
